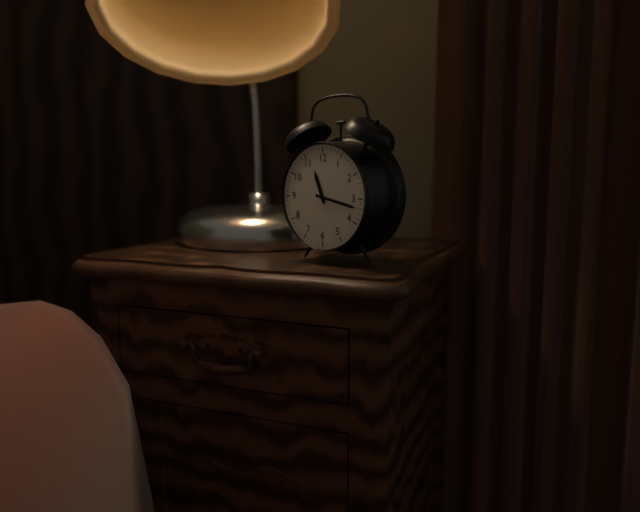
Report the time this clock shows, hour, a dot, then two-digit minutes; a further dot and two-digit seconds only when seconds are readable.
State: 11.17
